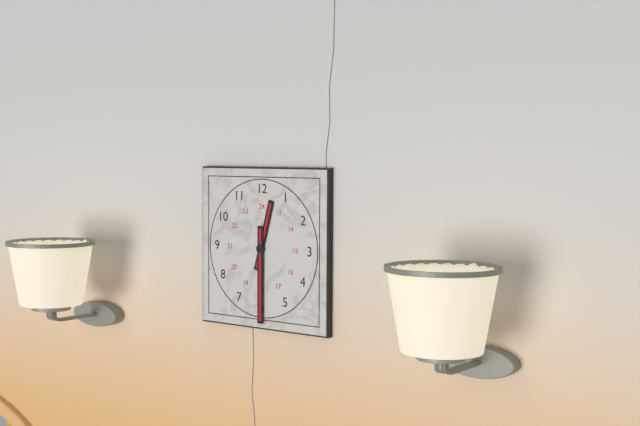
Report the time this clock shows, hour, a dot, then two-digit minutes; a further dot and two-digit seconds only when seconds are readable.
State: 12.30
